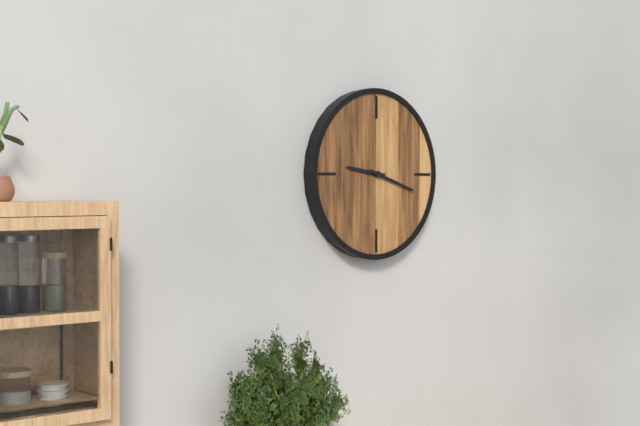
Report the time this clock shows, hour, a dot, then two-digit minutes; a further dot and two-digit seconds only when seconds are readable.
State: 9.18
